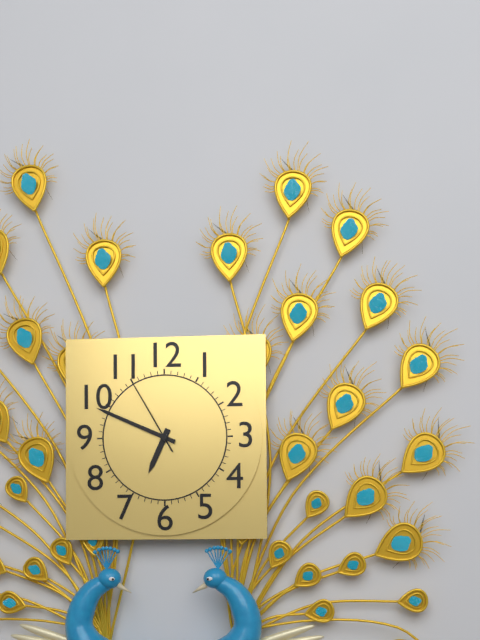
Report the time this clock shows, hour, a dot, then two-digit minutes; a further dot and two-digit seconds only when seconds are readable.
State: 6.49.55
